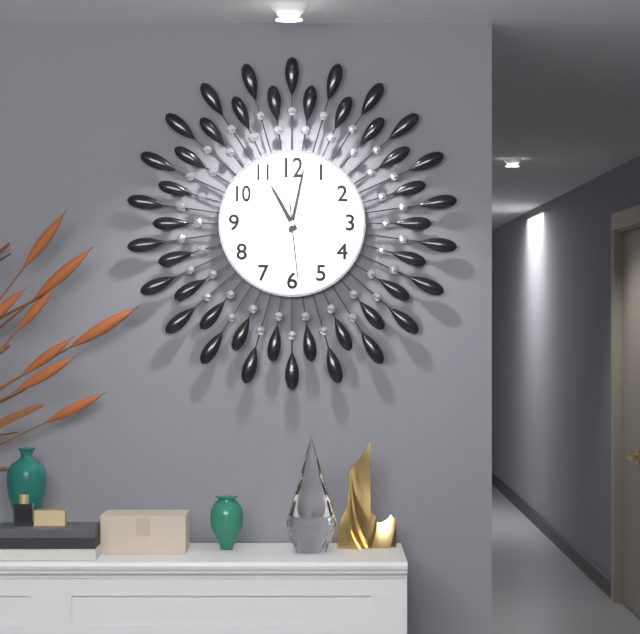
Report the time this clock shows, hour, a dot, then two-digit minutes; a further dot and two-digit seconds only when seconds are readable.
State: 11.02.29
